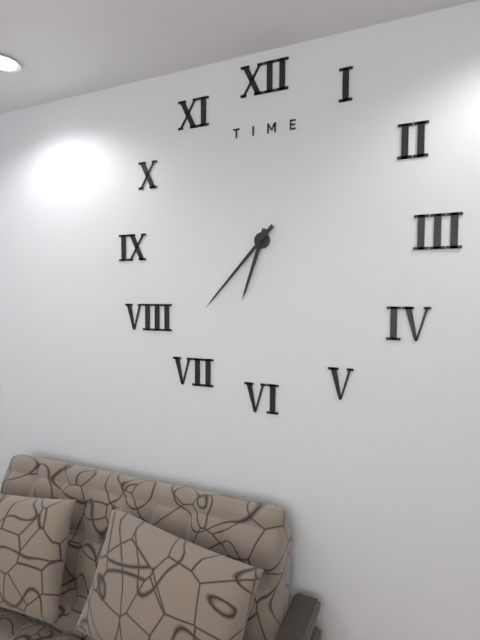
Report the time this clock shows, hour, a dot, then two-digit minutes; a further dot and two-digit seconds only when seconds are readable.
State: 6.37
